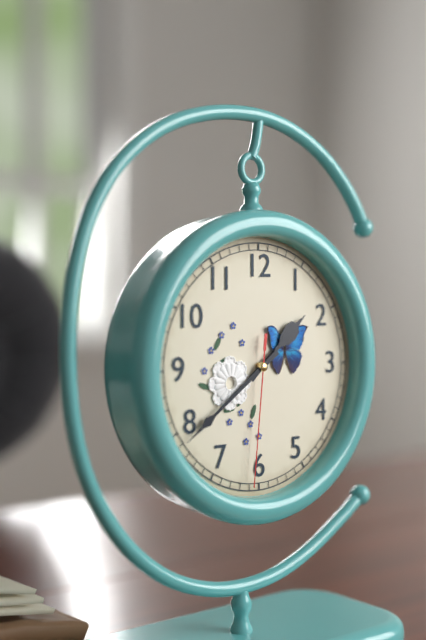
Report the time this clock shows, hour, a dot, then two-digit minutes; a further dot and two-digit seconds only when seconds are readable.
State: 1.39.31
